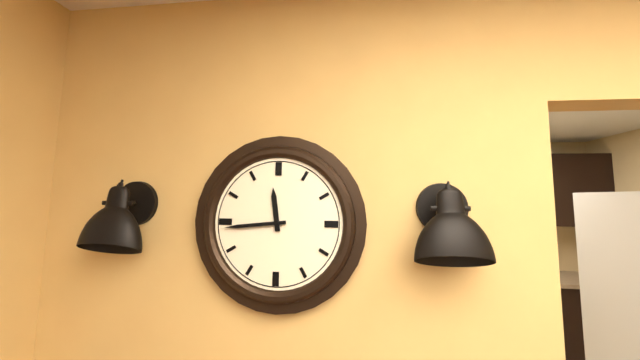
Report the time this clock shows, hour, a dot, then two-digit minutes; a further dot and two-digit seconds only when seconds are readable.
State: 11.44
